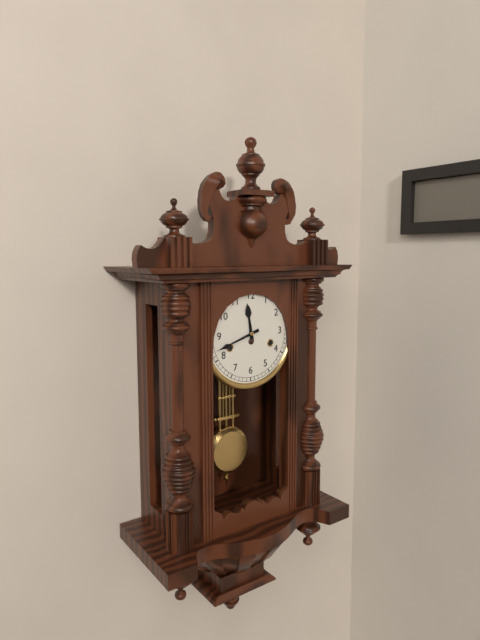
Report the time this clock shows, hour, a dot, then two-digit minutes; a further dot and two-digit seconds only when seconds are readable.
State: 11.42
